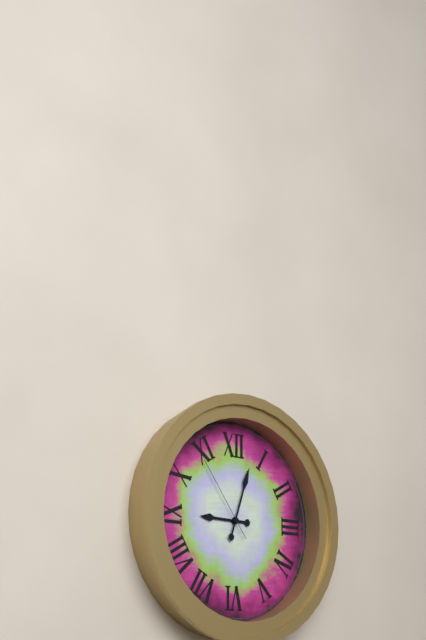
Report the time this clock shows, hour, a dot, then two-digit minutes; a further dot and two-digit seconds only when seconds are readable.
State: 9.03.54
